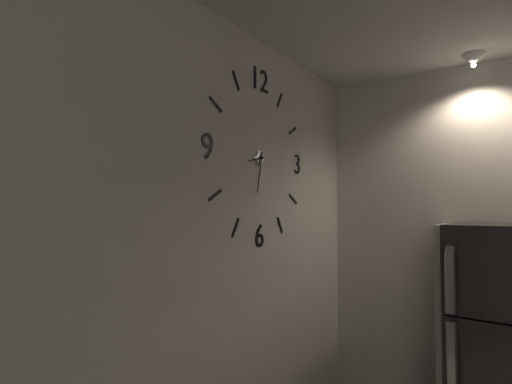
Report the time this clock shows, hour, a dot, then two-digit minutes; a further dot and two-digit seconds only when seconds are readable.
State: 8.32
